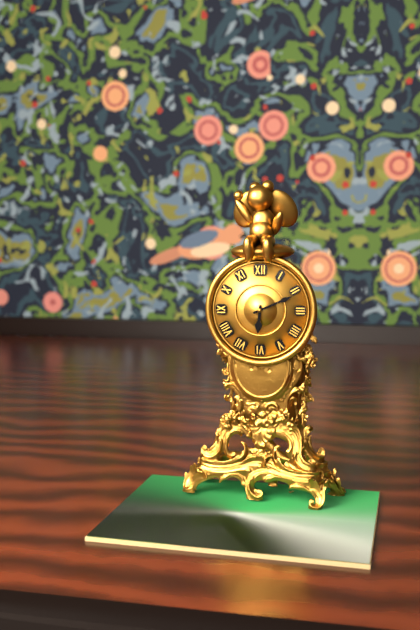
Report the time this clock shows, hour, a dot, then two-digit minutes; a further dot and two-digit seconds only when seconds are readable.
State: 6.11
